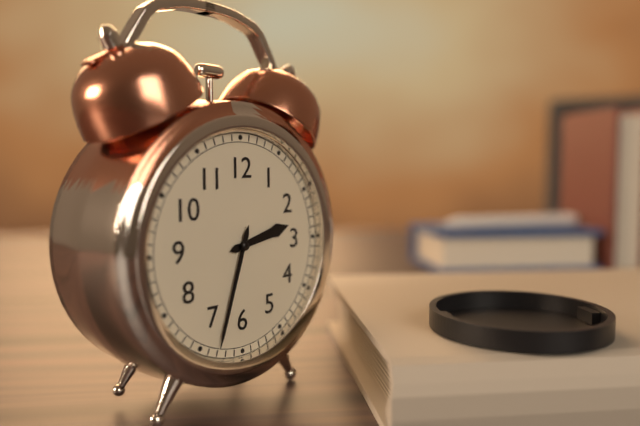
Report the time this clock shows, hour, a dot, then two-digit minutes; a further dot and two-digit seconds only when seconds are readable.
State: 2.33
